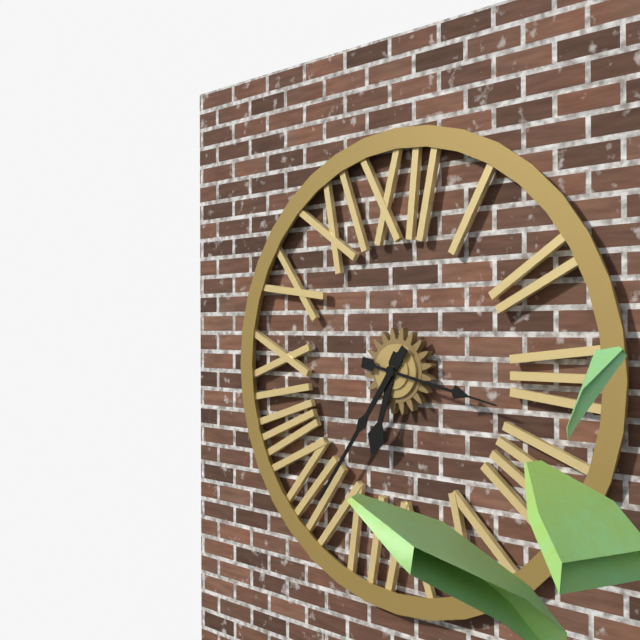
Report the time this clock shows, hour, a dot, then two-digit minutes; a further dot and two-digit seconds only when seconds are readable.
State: 6.36.17
